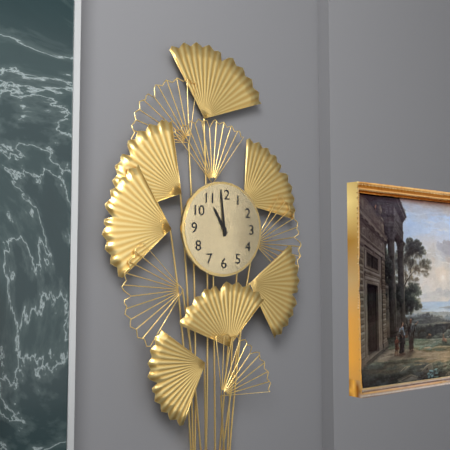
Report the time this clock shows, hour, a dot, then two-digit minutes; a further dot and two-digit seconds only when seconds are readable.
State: 10.59
